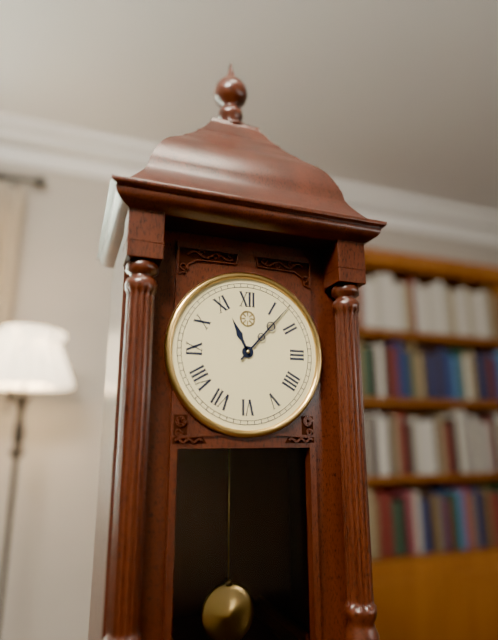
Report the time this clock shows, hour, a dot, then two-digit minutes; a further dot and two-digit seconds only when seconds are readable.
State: 11.07
